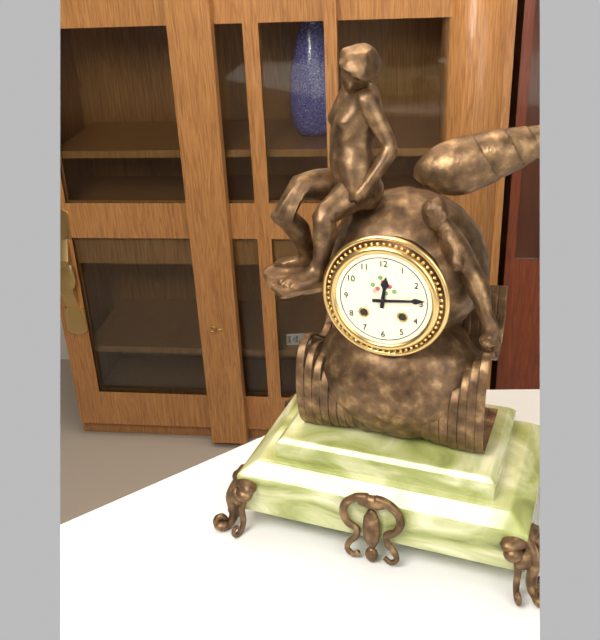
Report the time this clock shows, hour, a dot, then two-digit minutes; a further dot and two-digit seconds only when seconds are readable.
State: 12.14
